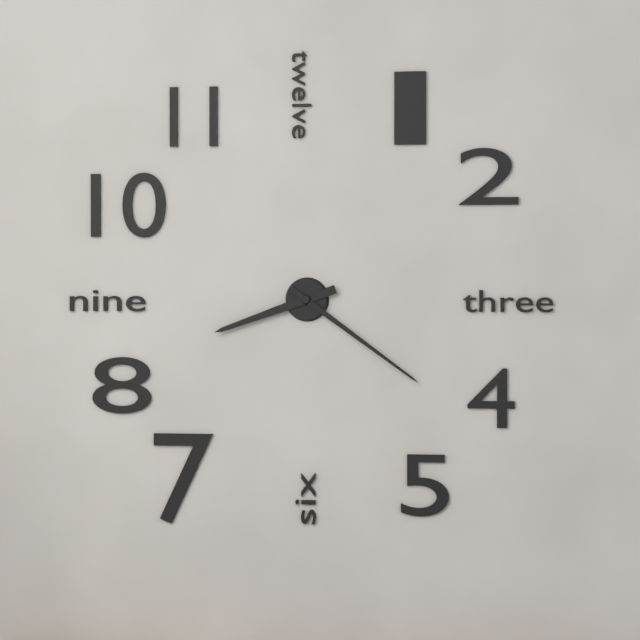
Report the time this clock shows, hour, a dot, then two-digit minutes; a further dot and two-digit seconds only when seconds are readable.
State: 8.21
